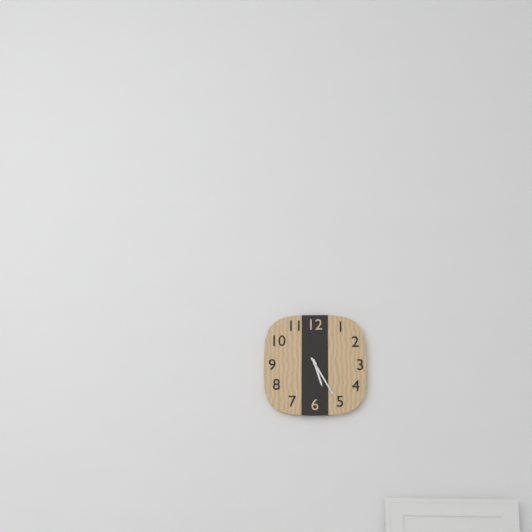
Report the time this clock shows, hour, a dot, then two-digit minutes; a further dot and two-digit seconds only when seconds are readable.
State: 5.25
